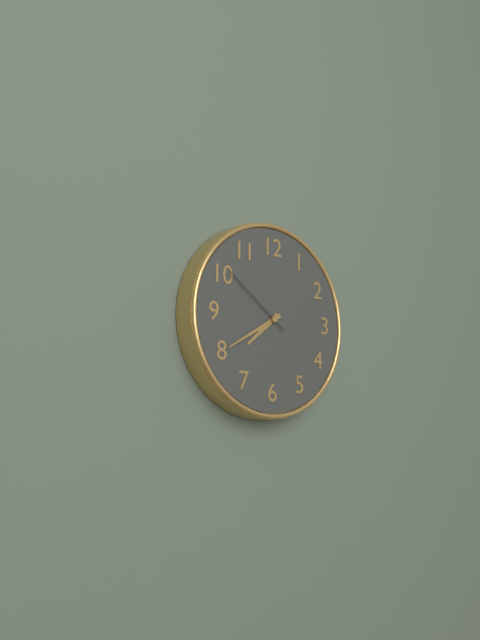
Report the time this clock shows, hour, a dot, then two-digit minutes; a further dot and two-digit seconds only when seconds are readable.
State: 7.40.51
